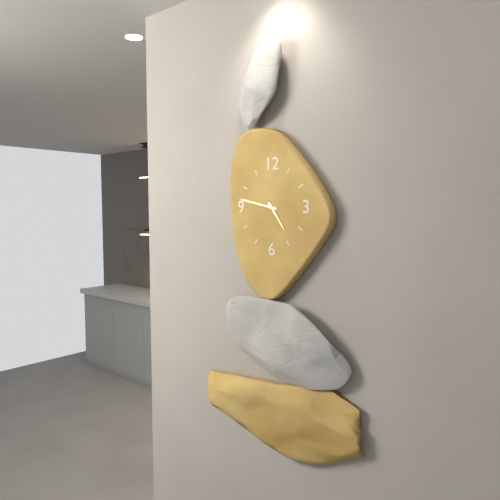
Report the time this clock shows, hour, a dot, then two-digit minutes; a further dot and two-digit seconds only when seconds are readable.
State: 4.47
